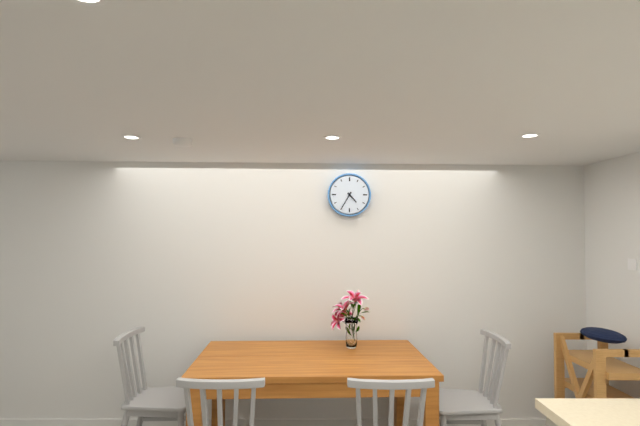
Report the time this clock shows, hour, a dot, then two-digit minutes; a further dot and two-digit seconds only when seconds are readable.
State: 4.35
